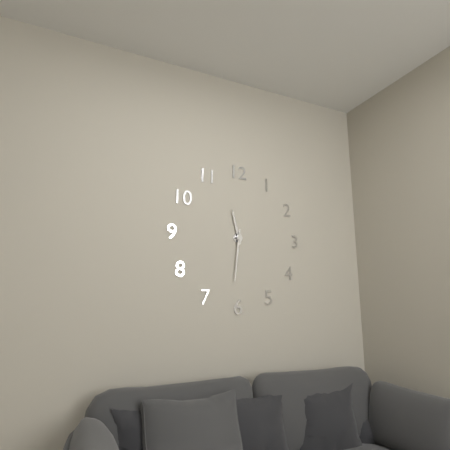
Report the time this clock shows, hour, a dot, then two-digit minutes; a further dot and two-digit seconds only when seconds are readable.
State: 11.31
